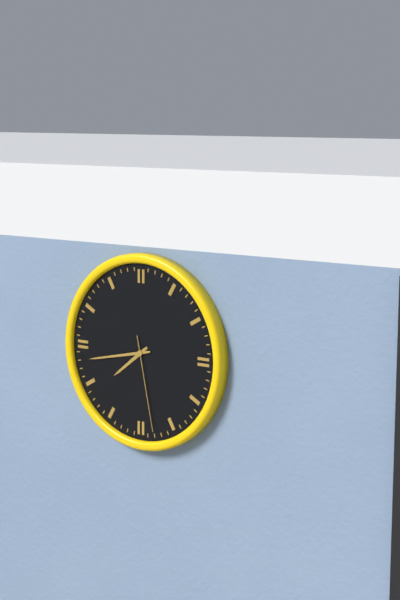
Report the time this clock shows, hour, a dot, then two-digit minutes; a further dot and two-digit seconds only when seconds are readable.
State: 7.43.28
